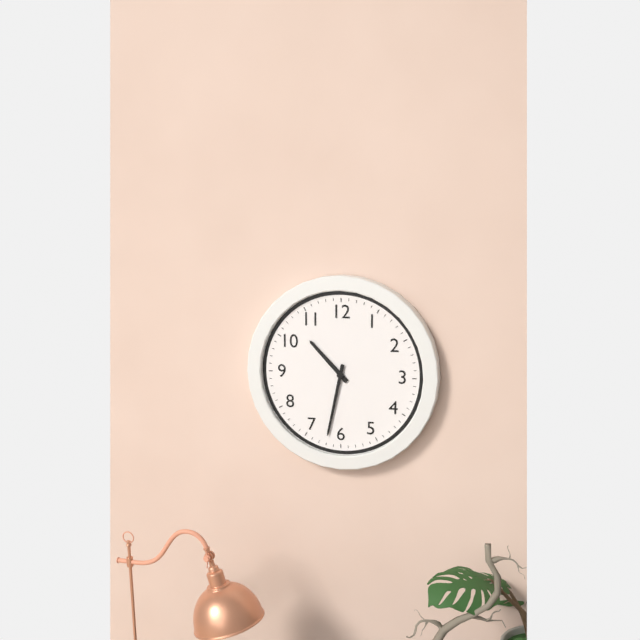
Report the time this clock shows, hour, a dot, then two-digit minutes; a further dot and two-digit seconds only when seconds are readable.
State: 10.32
